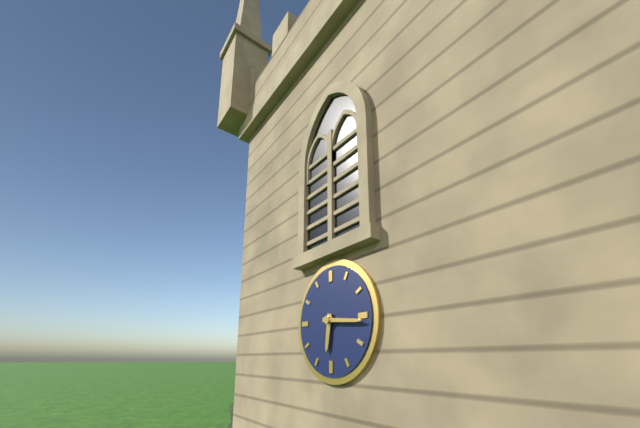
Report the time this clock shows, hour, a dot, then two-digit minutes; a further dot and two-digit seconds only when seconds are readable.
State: 6.16
